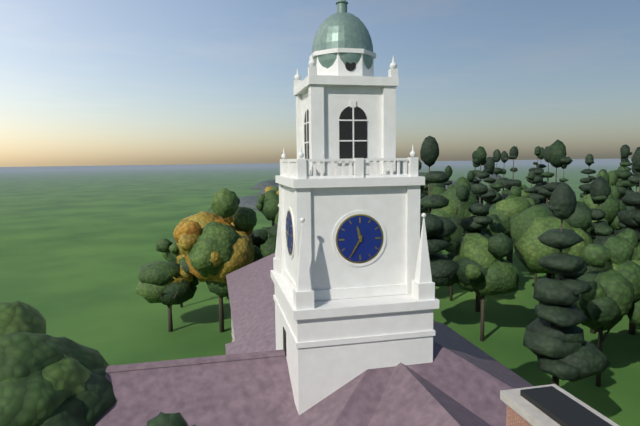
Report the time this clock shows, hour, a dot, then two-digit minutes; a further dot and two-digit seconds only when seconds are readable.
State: 11.35
